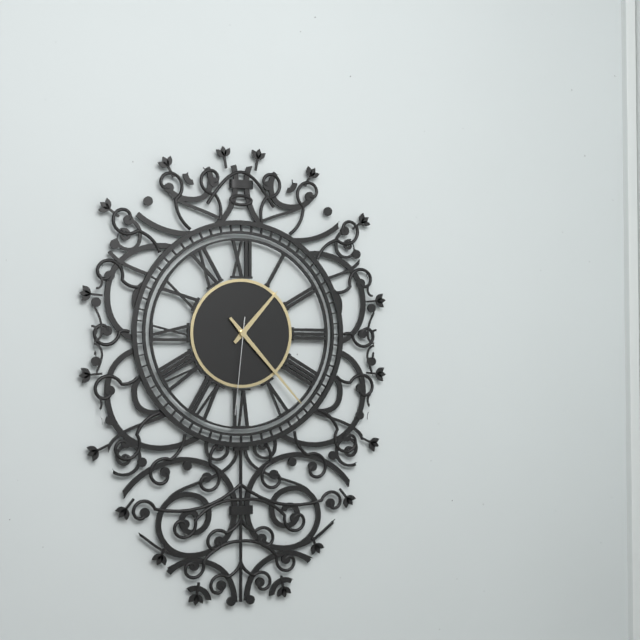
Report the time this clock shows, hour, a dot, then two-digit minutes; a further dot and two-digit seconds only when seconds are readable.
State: 1.23.31
